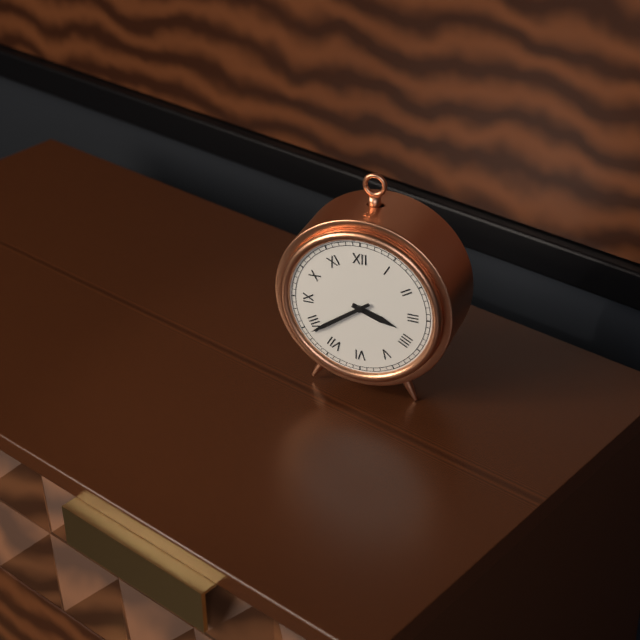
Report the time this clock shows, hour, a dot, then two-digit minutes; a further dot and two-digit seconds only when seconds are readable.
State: 3.39
